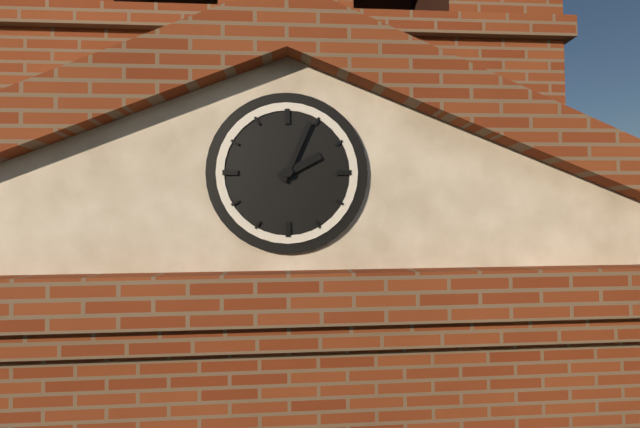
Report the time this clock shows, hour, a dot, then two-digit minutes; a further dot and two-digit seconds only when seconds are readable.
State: 2.04
